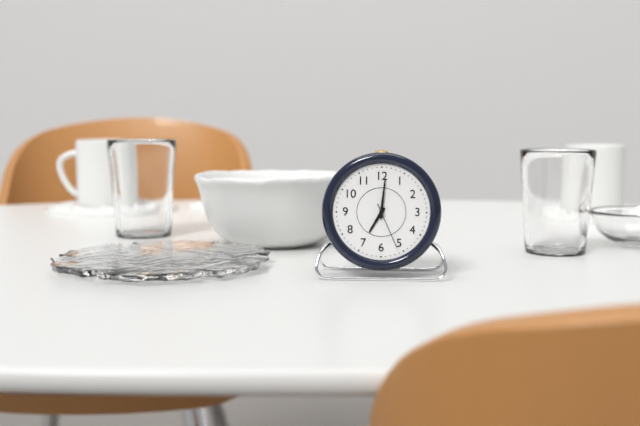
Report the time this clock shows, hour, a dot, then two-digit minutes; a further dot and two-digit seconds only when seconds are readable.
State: 7.01
